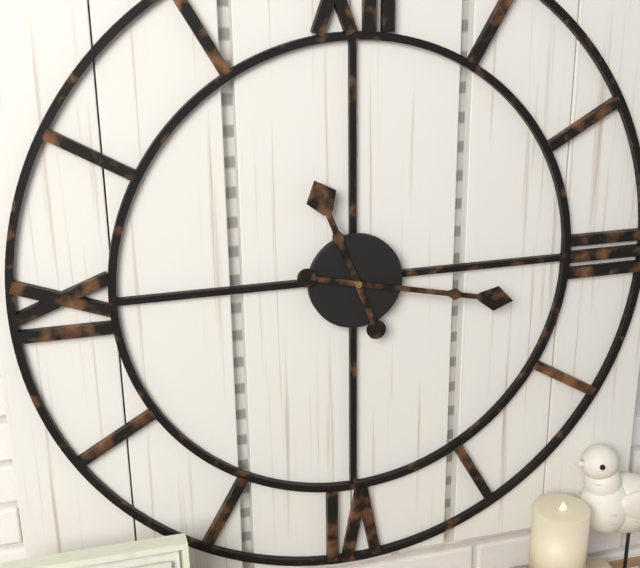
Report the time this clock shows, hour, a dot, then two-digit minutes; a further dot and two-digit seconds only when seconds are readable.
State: 11.17
